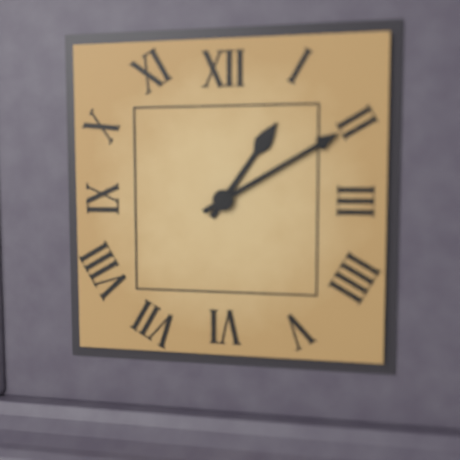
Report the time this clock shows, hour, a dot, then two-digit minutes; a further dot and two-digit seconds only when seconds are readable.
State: 1.10
